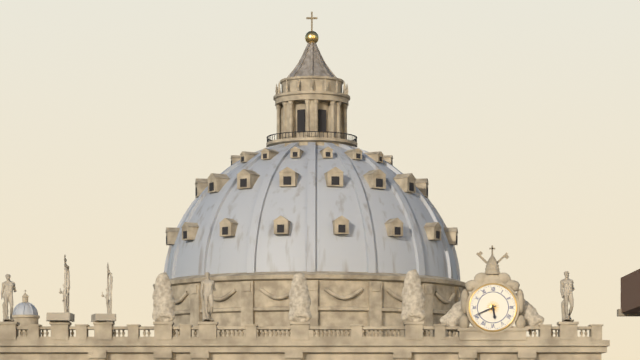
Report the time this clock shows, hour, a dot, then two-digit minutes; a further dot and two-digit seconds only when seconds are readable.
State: 5.41
